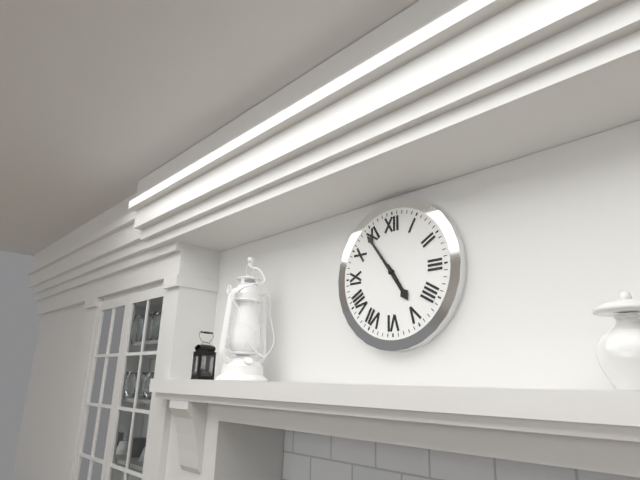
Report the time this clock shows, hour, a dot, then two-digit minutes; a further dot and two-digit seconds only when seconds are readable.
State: 4.54
